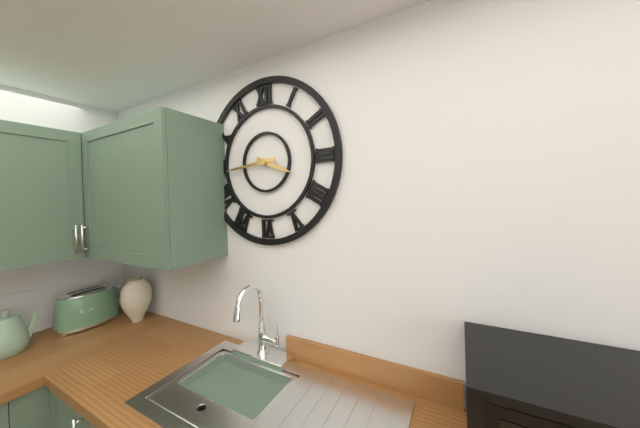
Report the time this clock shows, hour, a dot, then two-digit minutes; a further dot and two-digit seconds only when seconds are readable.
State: 3.44
